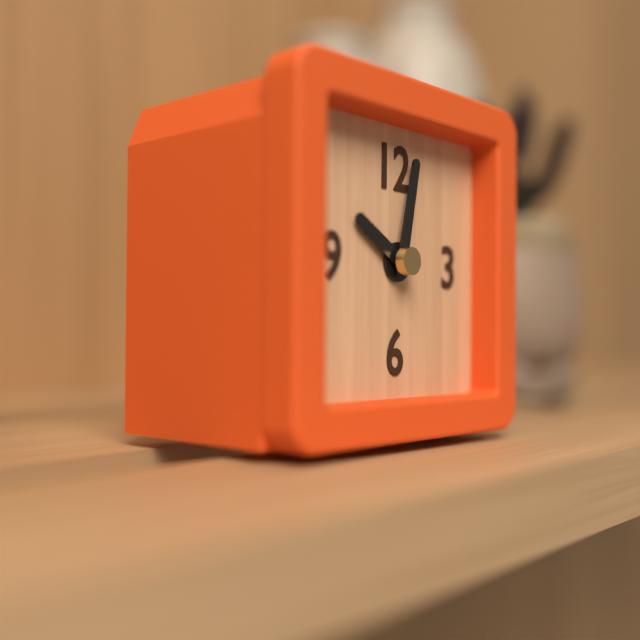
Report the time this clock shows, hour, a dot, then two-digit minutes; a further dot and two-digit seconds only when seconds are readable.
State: 10.02
